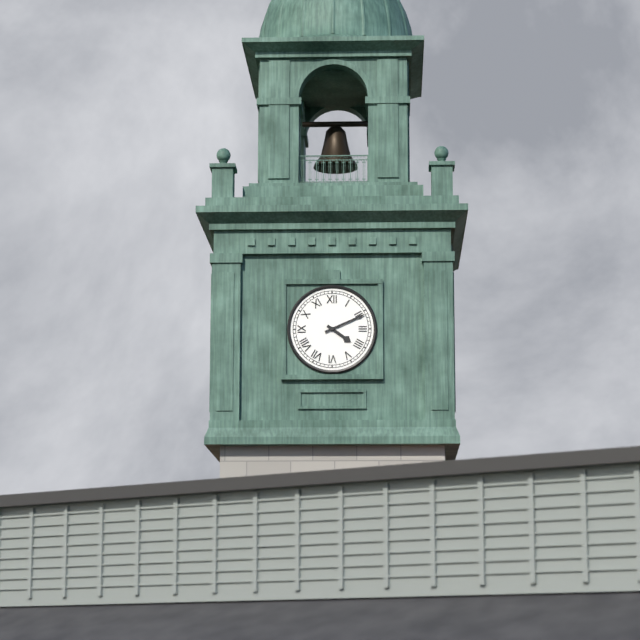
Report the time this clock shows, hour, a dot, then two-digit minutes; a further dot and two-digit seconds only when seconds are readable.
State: 4.11
